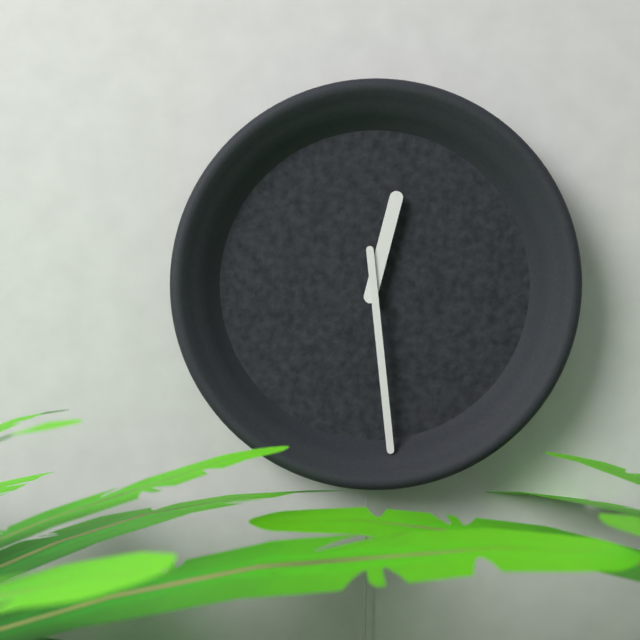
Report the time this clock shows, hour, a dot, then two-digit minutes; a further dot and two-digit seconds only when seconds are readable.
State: 12.29
